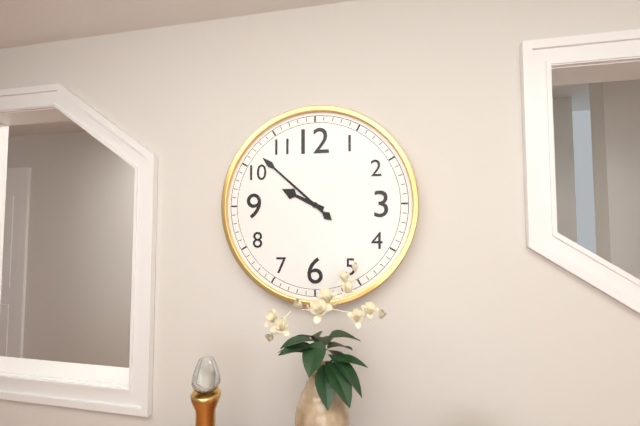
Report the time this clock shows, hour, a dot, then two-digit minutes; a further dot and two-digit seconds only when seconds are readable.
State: 9.52
